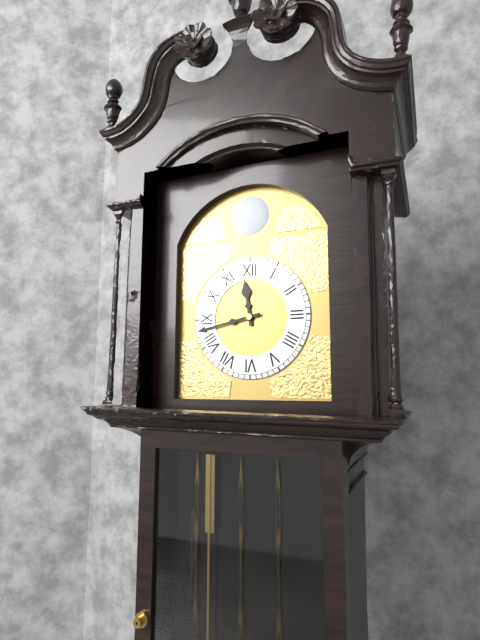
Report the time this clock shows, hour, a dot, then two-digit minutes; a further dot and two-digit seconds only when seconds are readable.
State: 11.43
